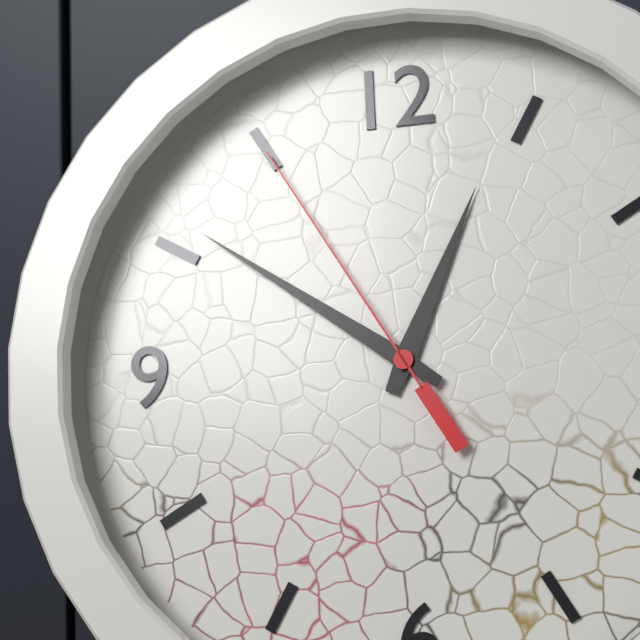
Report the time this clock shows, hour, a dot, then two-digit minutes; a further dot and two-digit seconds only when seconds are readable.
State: 12.51.55
